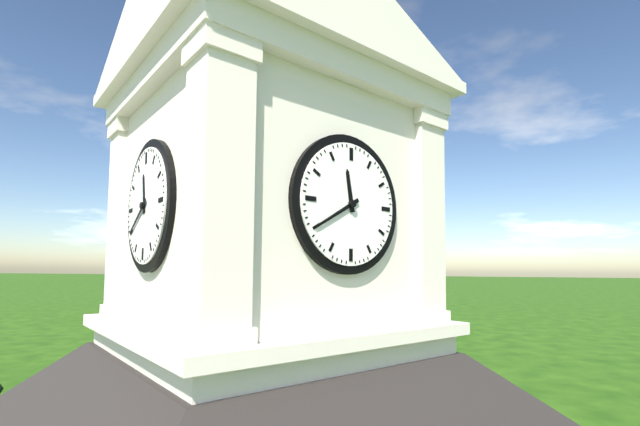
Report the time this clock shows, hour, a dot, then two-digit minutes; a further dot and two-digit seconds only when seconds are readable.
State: 11.40
